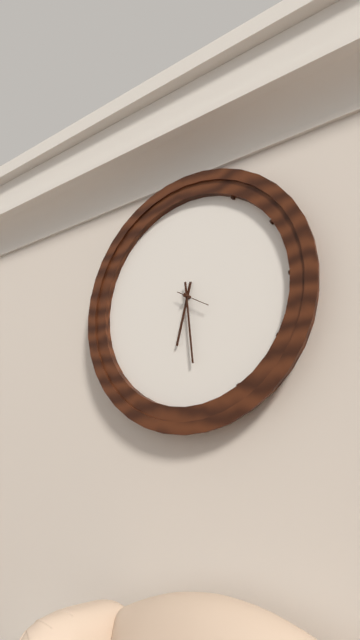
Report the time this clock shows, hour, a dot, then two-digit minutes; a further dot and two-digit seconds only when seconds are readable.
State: 6.29
